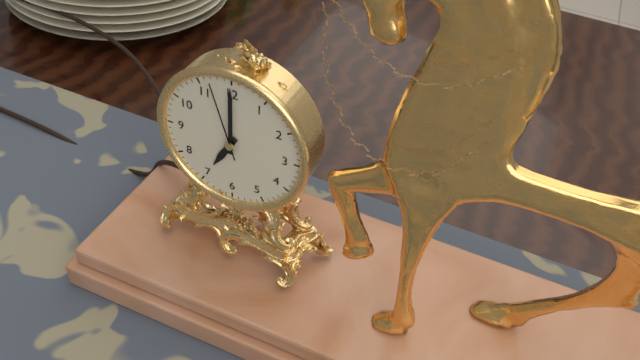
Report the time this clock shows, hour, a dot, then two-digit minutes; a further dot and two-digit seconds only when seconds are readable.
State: 7.00.57
